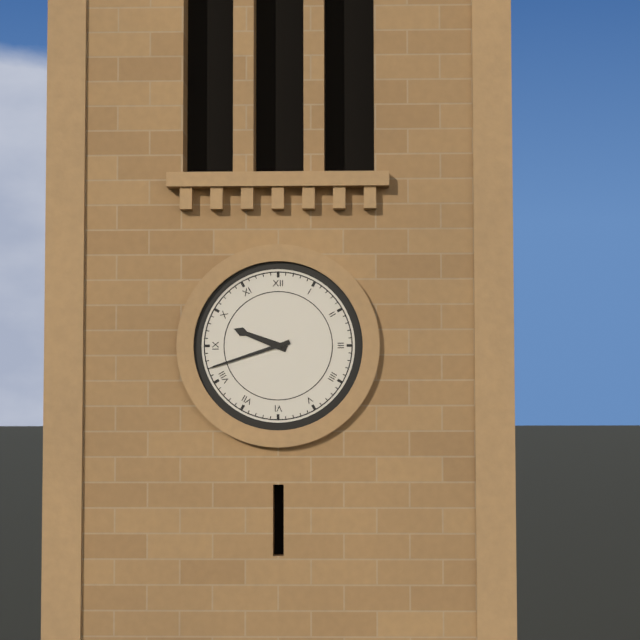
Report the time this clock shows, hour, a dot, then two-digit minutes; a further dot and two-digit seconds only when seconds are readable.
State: 9.42
